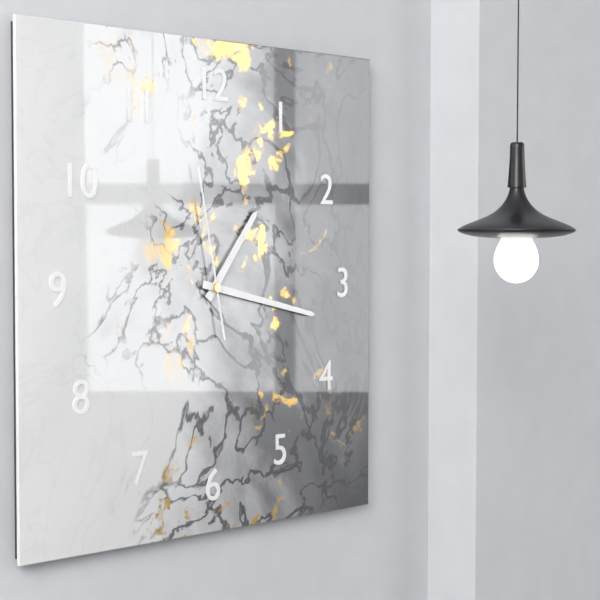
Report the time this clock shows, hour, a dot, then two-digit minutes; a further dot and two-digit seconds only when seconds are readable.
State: 1.17.58
